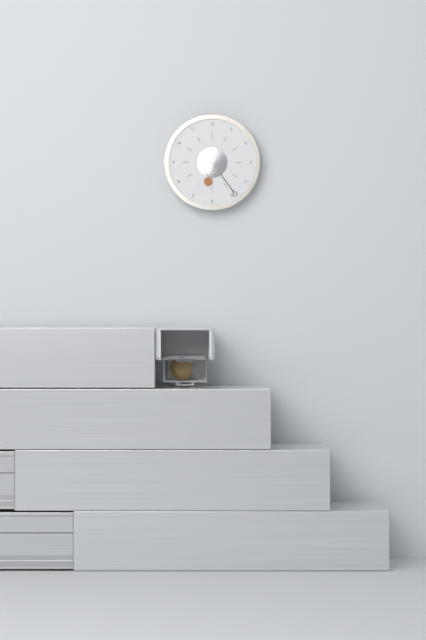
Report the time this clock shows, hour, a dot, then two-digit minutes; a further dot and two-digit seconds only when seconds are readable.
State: 6.24
